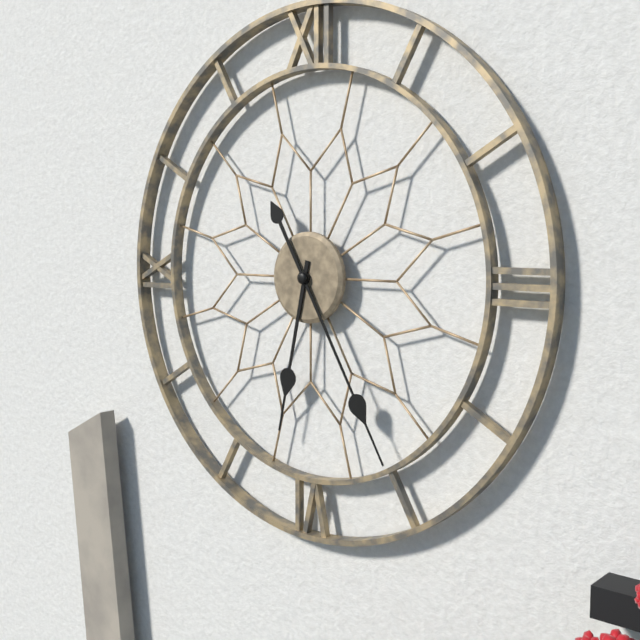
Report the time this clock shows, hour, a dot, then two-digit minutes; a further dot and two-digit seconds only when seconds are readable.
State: 6.25
